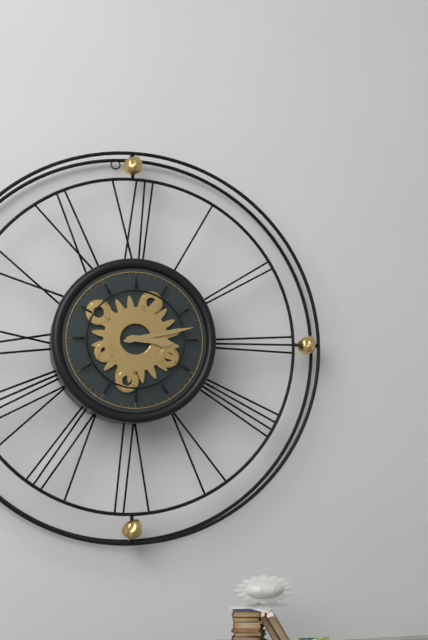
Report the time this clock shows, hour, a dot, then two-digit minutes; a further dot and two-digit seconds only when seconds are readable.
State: 3.13
